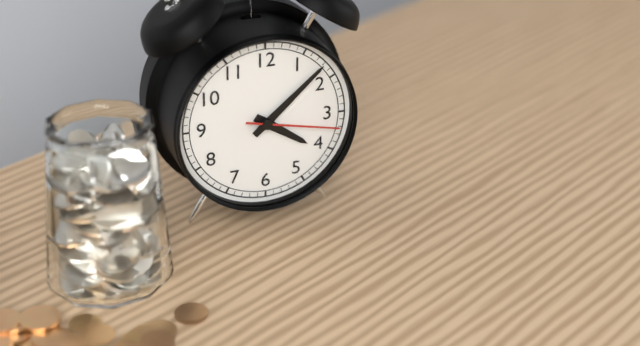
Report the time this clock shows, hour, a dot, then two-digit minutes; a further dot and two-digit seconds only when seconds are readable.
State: 4.08.17
